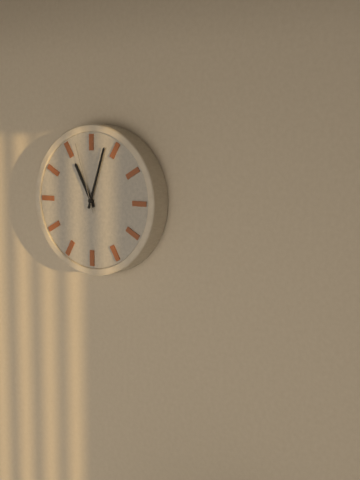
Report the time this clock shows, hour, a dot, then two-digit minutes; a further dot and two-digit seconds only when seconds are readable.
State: 11.03.57
